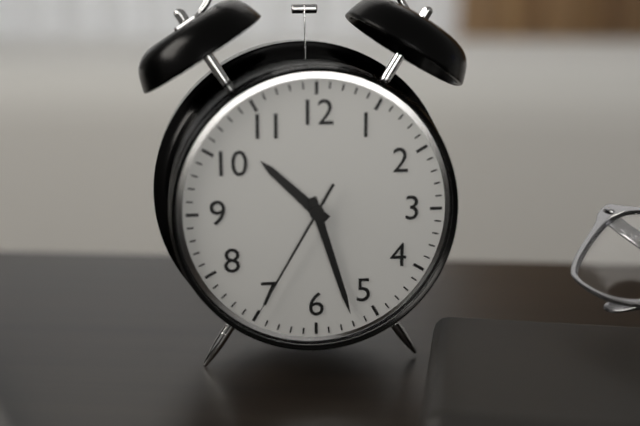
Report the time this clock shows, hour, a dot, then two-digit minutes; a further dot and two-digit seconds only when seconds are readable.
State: 10.27.35
